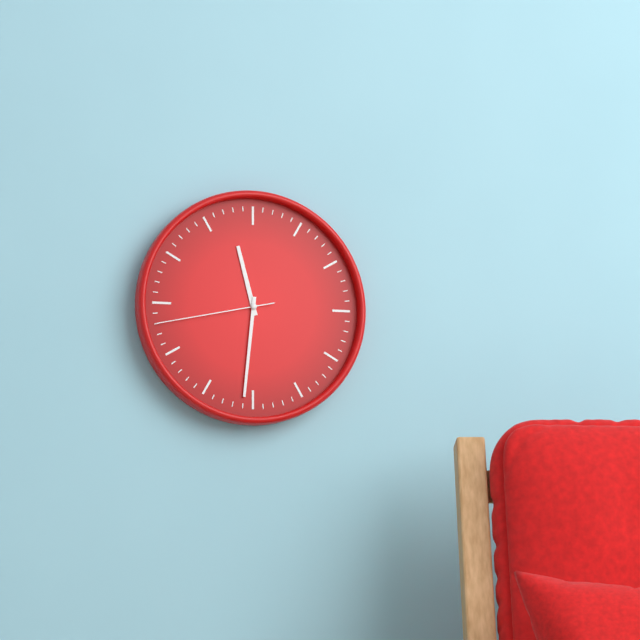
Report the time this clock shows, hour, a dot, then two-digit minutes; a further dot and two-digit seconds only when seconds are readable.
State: 11.31.43
